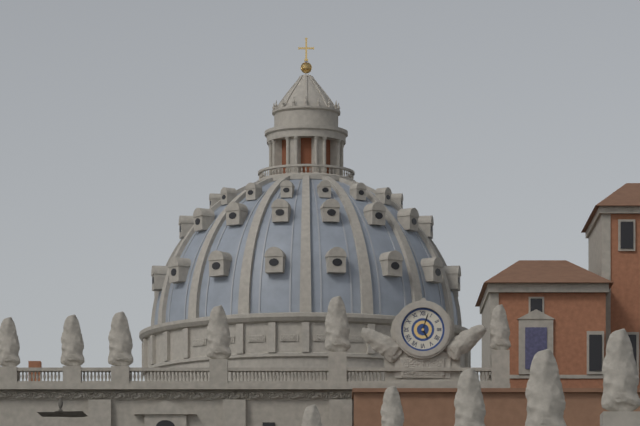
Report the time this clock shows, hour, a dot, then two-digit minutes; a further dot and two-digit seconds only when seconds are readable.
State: 5.03
